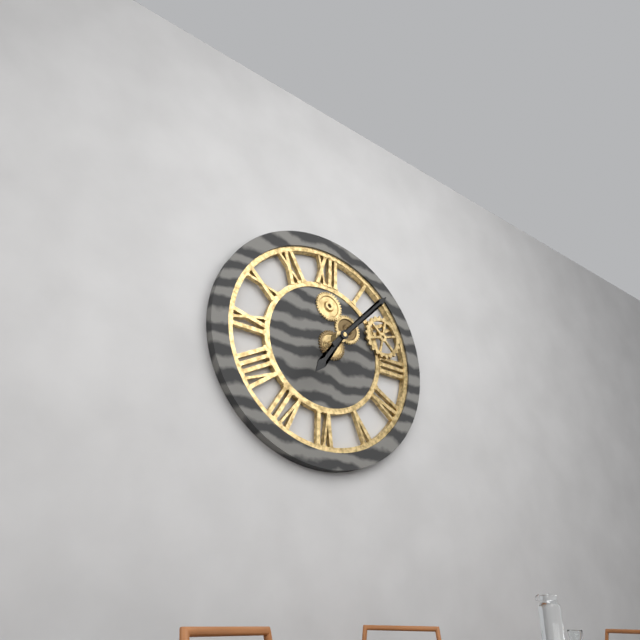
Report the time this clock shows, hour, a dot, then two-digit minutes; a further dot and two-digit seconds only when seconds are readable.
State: 7.07
